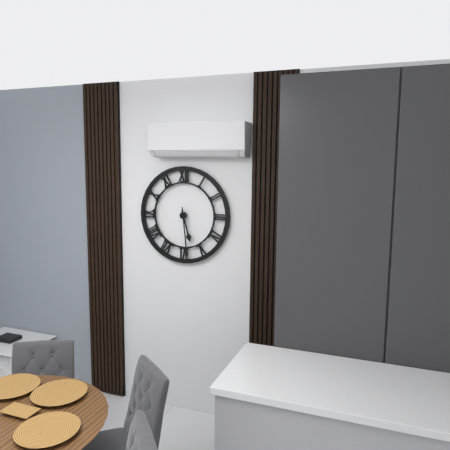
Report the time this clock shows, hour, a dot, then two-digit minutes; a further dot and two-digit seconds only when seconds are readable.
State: 5.29
